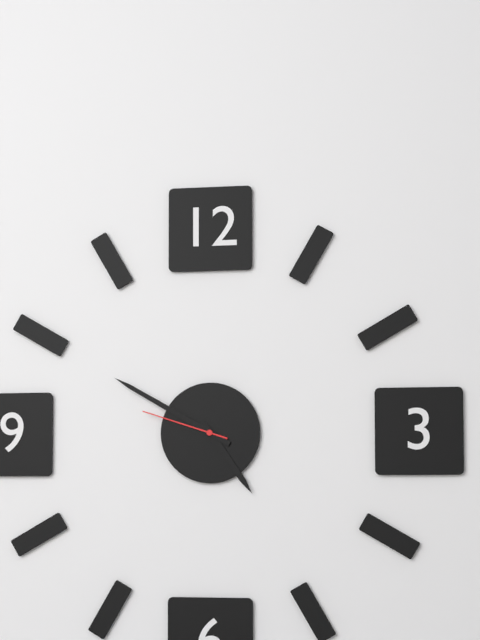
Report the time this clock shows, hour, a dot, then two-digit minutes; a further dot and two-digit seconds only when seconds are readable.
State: 4.50.48
